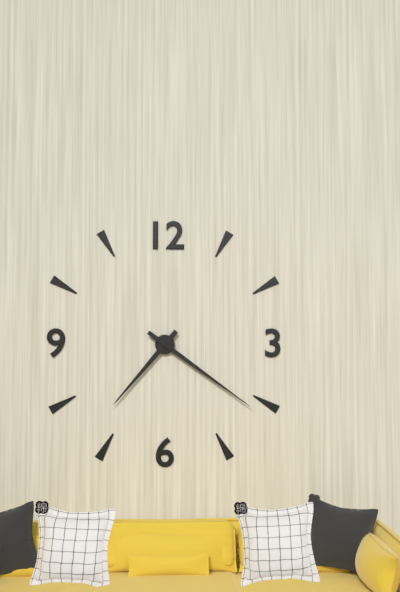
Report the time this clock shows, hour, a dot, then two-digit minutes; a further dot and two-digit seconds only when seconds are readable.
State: 7.21
